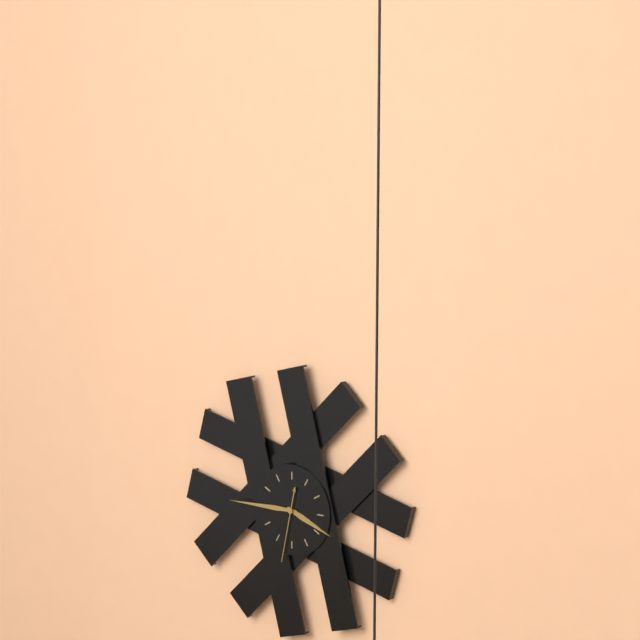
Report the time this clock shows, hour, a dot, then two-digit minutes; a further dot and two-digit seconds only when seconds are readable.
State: 3.45.32
